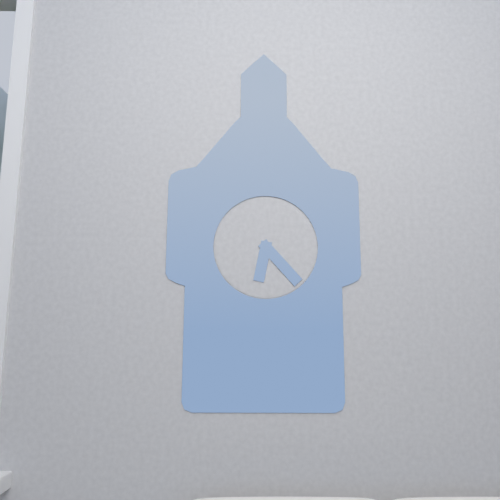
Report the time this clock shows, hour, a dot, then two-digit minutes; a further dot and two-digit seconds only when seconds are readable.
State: 6.23
